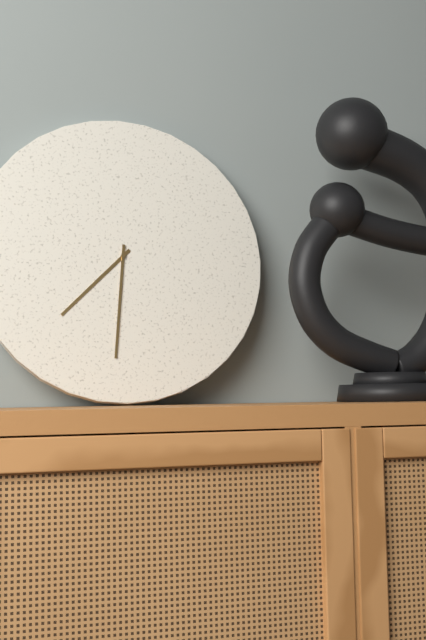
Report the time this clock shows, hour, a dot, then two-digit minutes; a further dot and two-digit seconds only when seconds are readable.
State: 7.31
